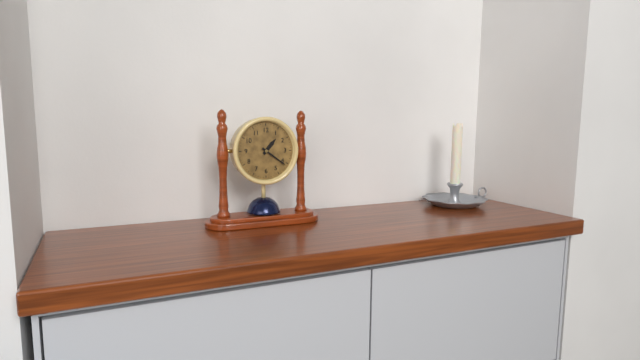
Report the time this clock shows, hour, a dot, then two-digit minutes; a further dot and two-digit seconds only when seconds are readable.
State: 1.21
